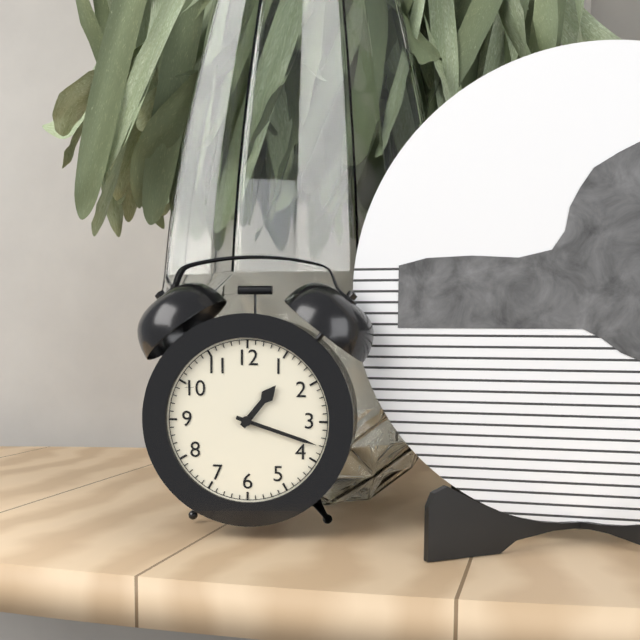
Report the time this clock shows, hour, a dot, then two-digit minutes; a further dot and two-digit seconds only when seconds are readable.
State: 1.18
